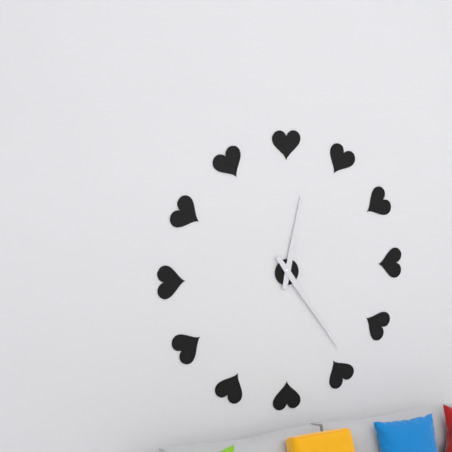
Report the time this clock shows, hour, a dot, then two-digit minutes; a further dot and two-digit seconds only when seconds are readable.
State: 12.24
